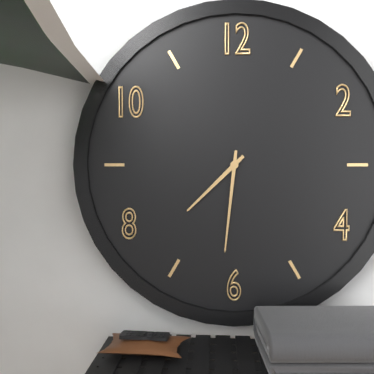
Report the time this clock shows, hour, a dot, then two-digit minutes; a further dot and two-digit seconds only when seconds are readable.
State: 7.31
